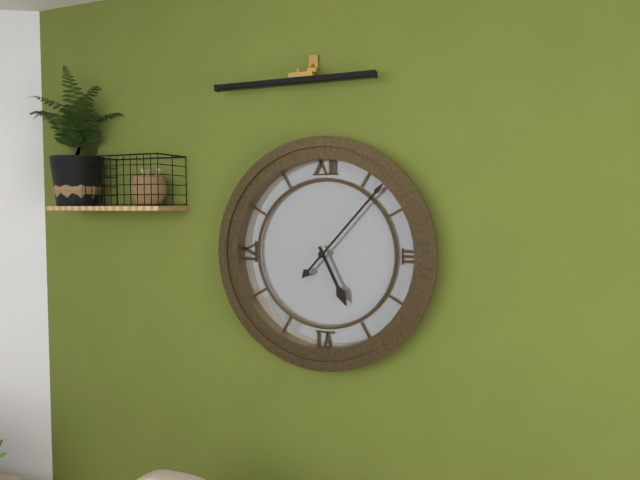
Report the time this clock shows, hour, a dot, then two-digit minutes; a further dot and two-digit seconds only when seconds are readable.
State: 5.07
